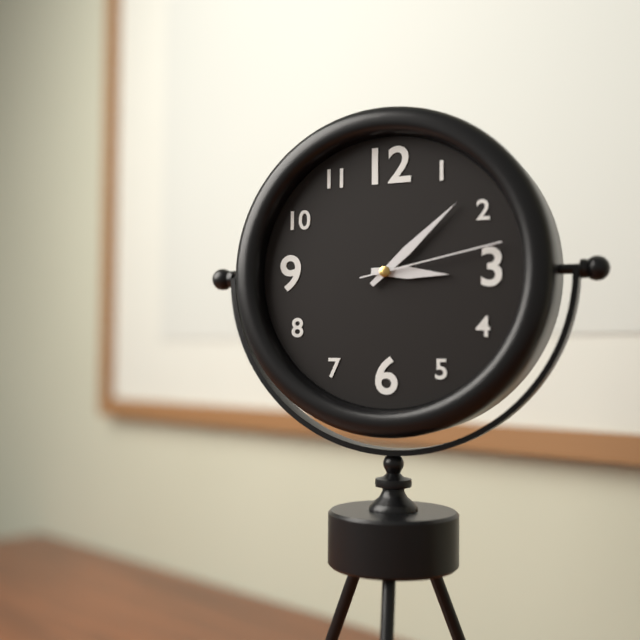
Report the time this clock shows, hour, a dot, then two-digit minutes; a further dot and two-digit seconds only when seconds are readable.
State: 3.08.13
